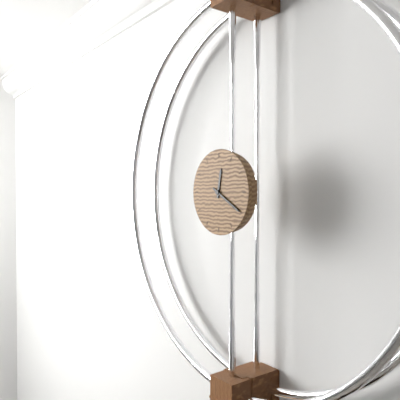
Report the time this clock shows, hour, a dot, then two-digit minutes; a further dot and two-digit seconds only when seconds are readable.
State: 12.20
